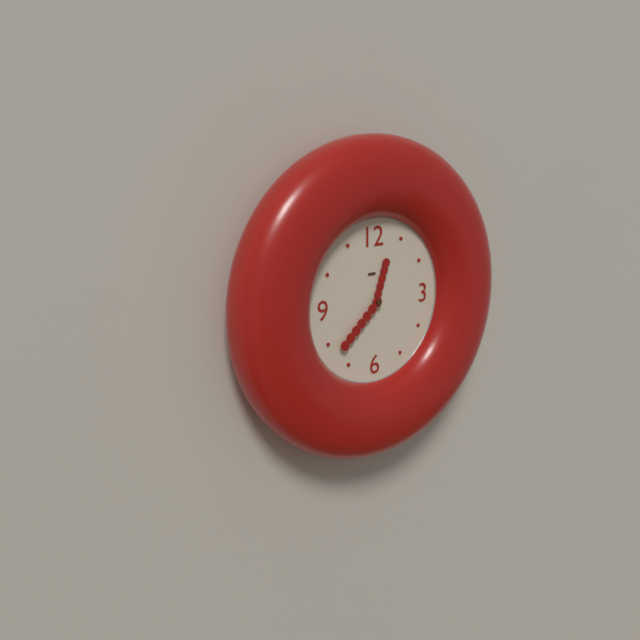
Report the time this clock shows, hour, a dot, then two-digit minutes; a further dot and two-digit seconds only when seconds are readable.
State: 12.38
